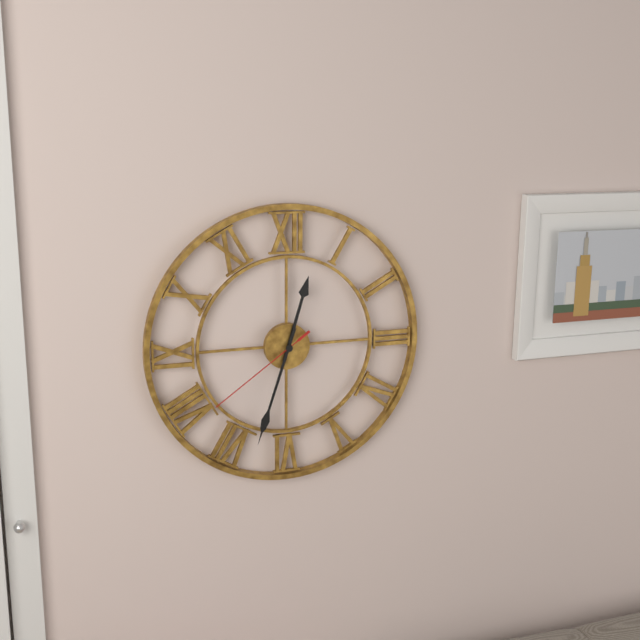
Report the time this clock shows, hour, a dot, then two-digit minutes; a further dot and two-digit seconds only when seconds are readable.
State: 12.33.39
